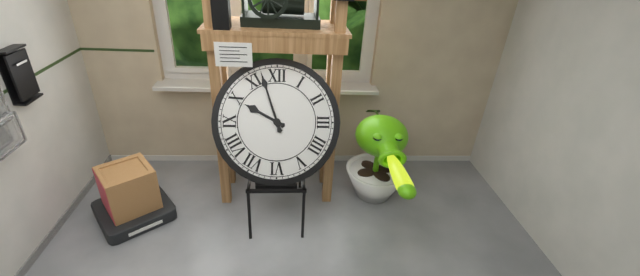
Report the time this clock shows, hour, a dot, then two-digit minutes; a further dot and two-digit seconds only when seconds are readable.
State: 9.57
